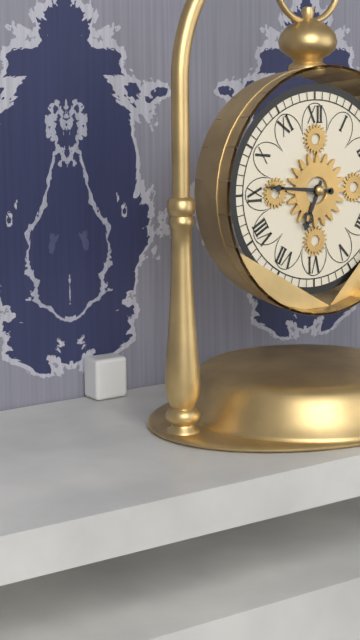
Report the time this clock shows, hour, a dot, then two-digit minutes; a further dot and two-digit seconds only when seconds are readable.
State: 6.46
